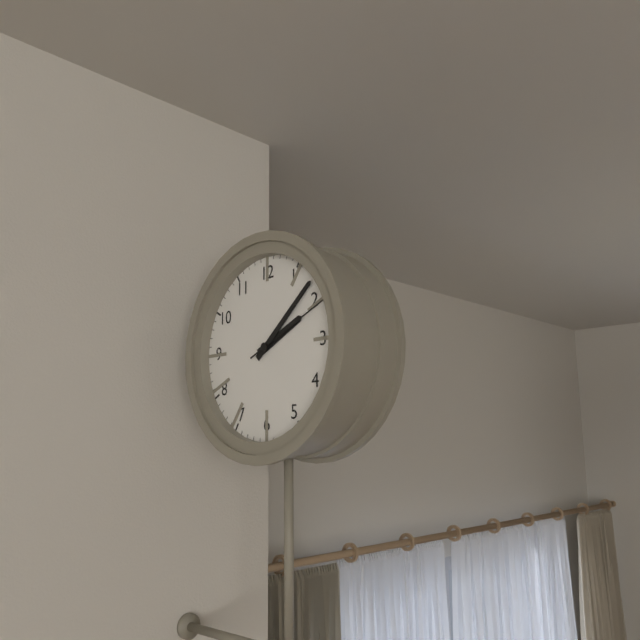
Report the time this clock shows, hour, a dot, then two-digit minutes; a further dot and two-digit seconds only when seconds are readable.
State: 2.08.11
